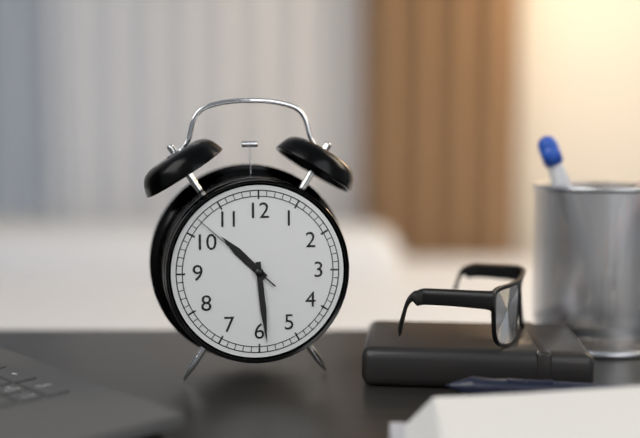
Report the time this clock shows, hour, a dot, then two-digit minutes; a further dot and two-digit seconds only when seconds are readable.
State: 10.29.52
